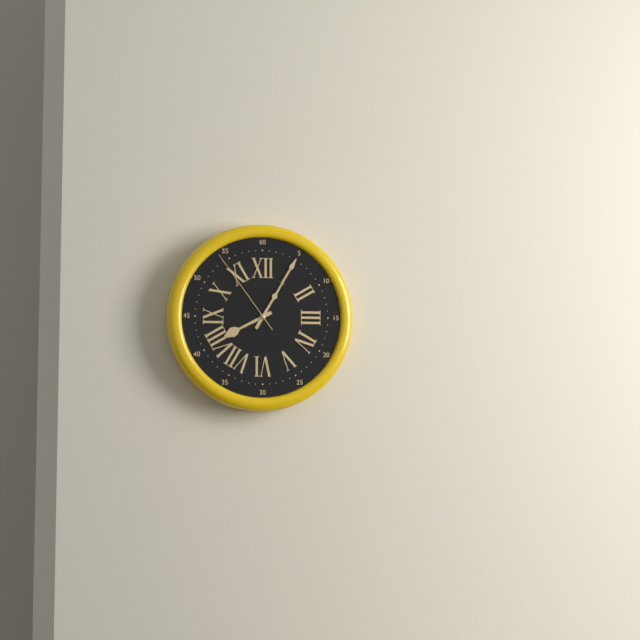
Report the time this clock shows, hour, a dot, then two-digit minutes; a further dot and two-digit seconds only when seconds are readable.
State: 8.05.54
